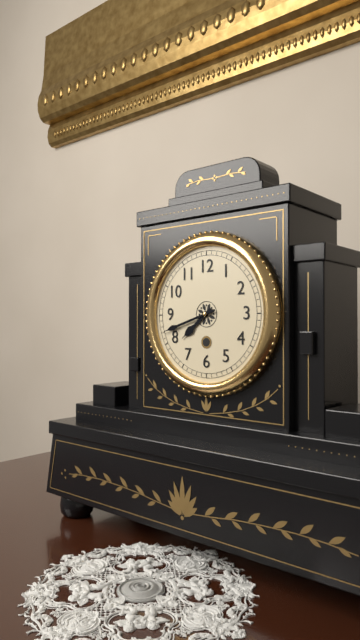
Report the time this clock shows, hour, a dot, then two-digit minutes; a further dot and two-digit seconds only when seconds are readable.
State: 7.42
